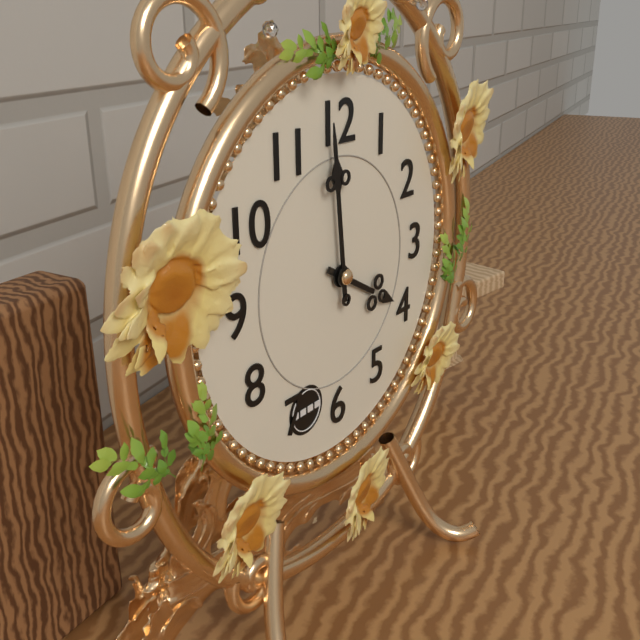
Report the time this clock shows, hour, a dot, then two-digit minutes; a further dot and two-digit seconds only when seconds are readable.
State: 3.59
